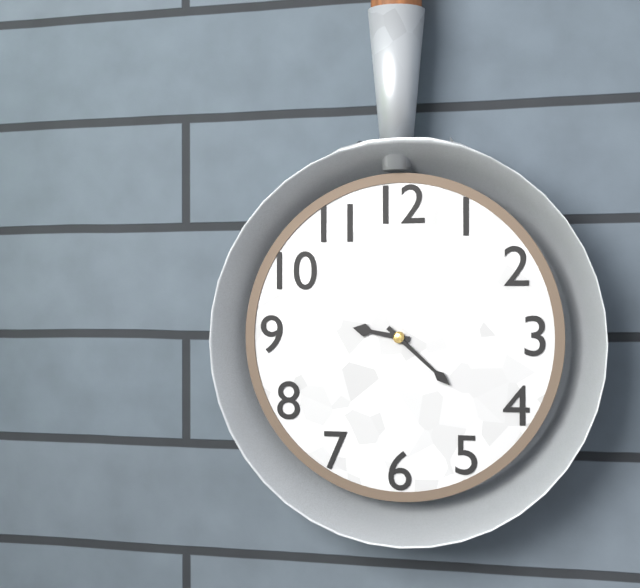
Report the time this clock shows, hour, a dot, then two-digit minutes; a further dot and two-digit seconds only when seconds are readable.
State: 9.22
